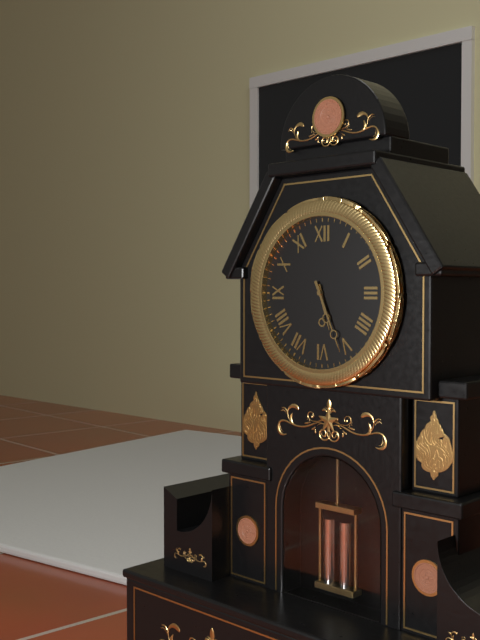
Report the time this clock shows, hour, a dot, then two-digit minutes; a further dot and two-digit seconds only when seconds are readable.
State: 5.26
